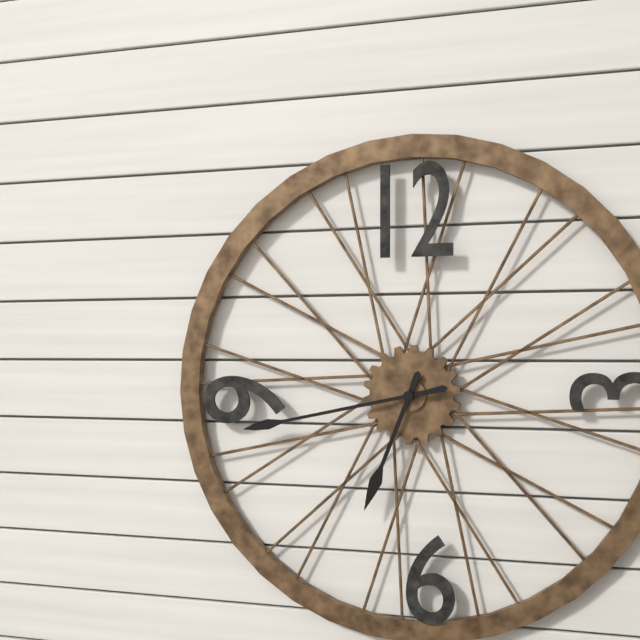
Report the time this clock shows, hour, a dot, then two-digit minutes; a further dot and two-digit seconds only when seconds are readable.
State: 6.43
